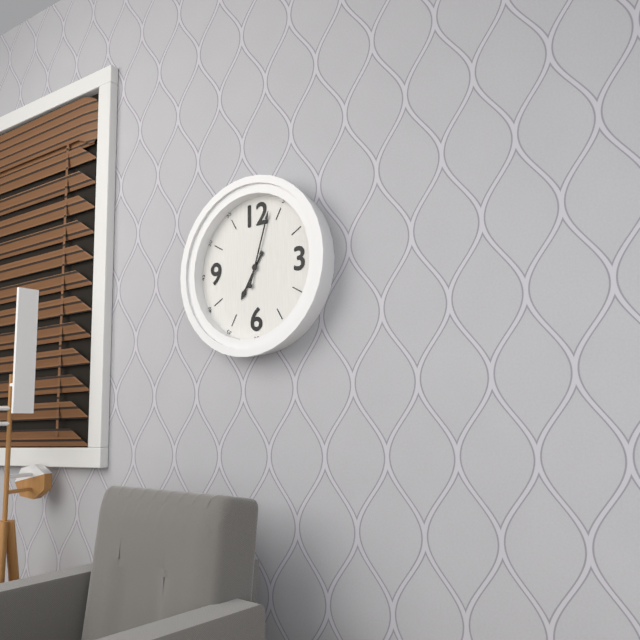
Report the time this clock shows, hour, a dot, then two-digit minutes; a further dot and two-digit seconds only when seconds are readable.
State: 7.03
